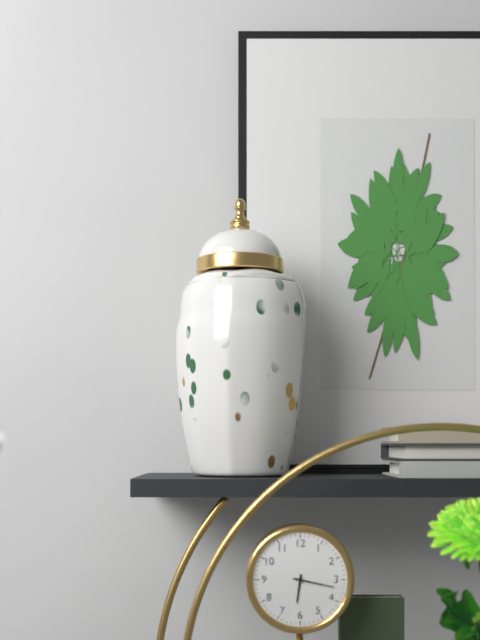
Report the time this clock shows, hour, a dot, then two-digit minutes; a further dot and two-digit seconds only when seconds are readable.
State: 6.17
